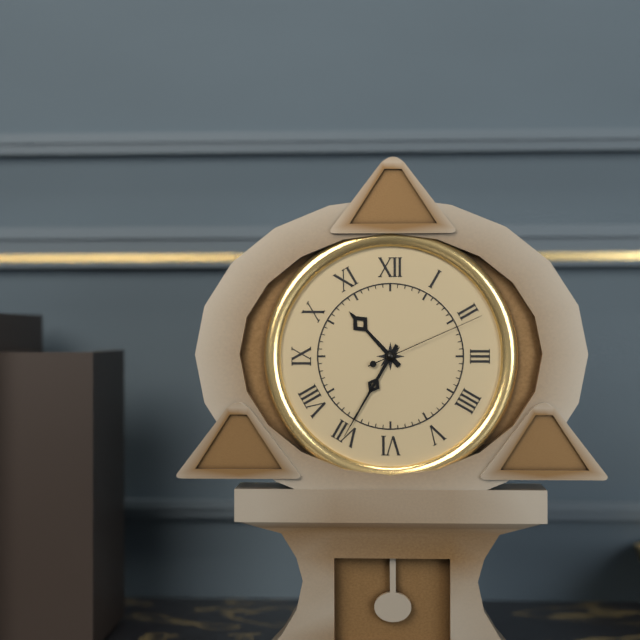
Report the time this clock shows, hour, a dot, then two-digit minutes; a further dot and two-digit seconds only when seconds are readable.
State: 10.35.11
